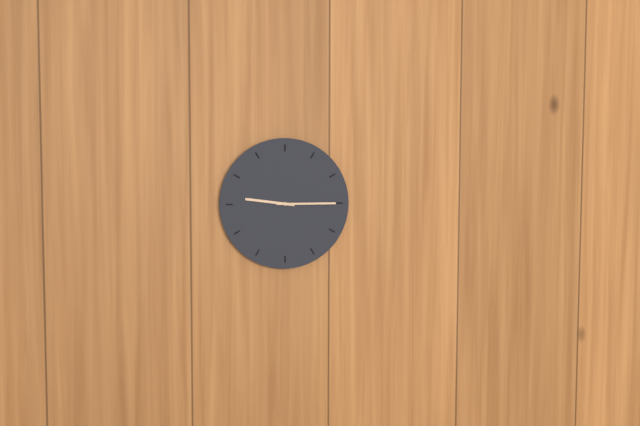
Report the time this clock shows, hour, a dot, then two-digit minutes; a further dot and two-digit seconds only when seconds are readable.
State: 9.15
